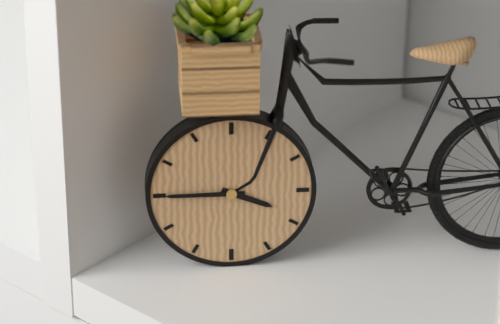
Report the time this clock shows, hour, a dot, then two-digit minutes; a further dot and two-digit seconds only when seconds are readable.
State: 3.45
